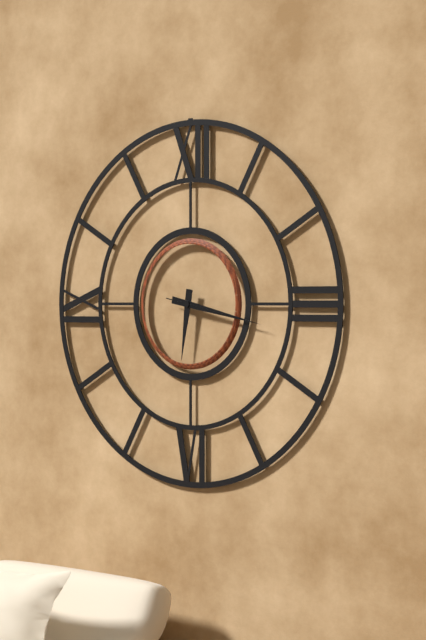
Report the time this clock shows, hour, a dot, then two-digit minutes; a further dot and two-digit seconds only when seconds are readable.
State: 6.17.17
